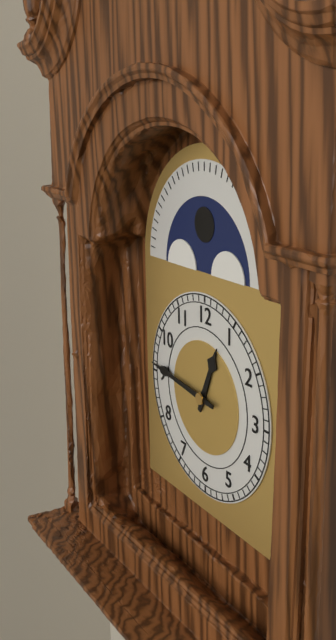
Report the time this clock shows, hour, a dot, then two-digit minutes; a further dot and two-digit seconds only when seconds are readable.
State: 12.46
